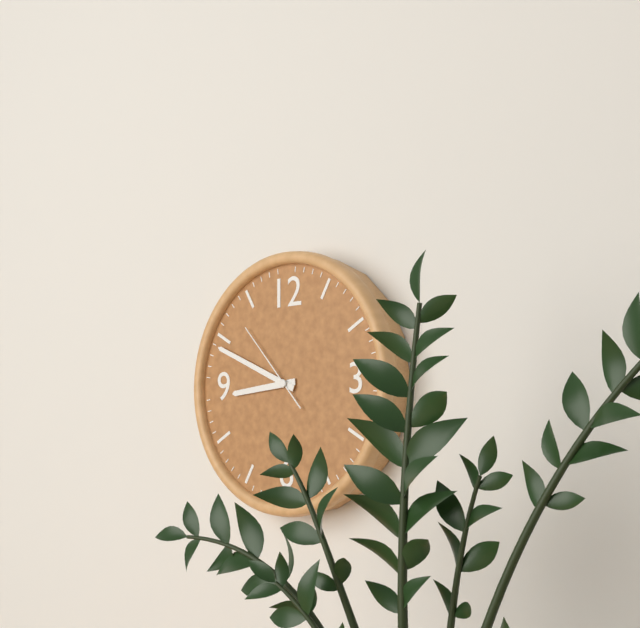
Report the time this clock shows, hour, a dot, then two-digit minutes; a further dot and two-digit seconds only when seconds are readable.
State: 8.49.53
